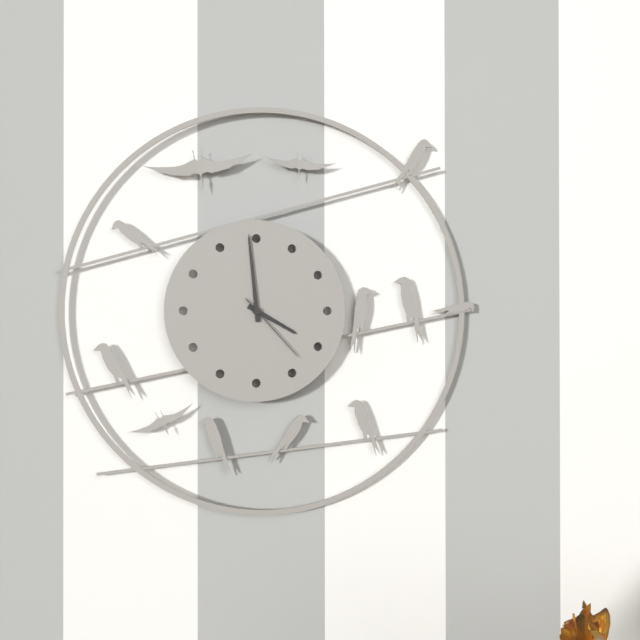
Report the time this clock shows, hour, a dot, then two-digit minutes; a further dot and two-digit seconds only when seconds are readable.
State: 3.59.23
